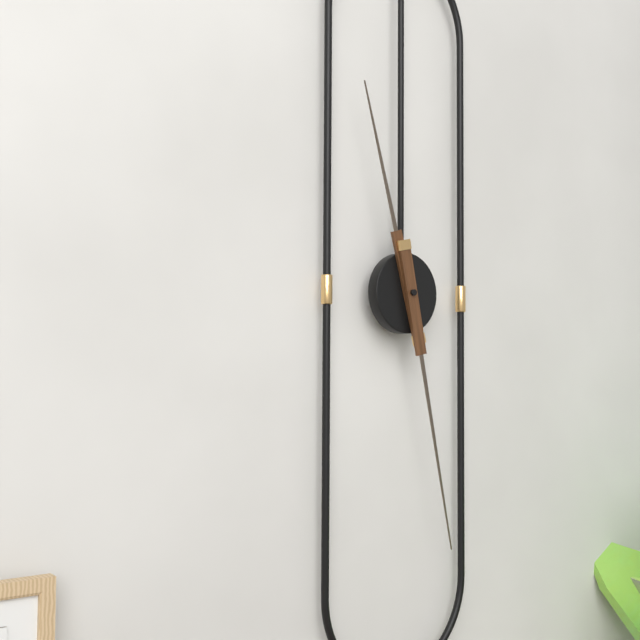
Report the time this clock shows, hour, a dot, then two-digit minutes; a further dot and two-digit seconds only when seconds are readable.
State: 11.28
